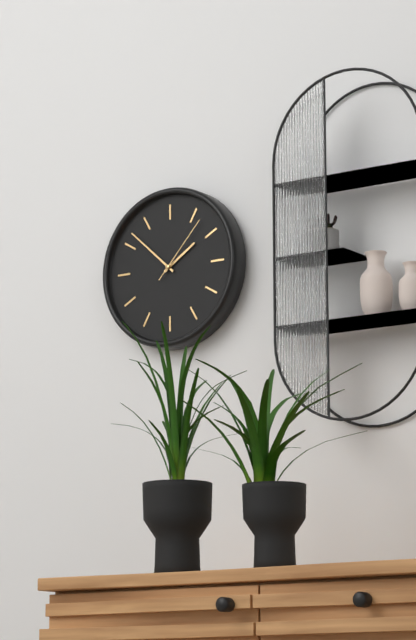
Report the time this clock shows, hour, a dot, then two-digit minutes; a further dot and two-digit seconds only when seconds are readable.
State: 1.52.07
